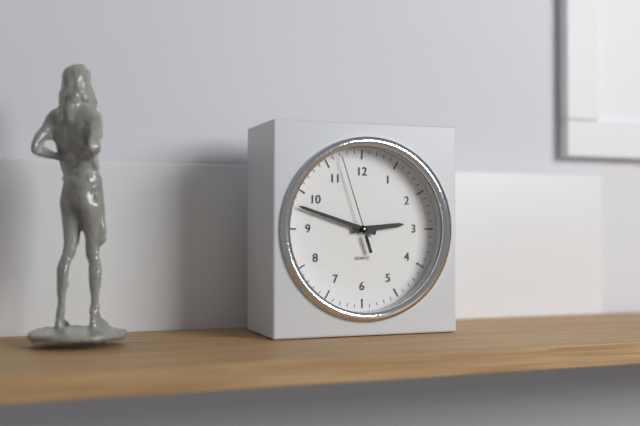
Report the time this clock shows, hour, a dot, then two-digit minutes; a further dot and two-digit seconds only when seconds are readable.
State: 2.48.57
